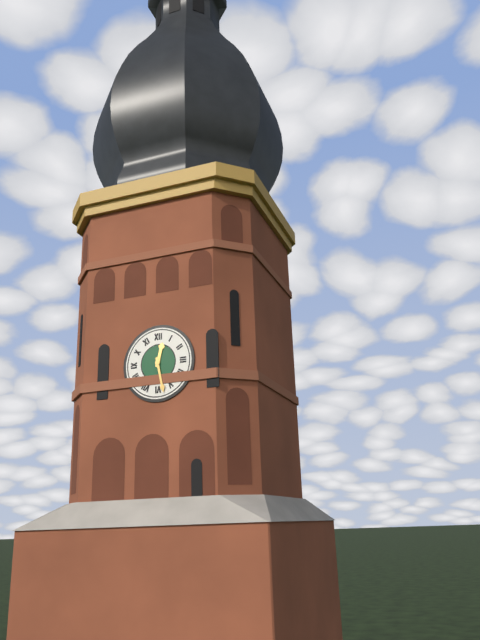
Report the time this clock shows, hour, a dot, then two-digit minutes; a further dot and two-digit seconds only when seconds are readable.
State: 12.28
